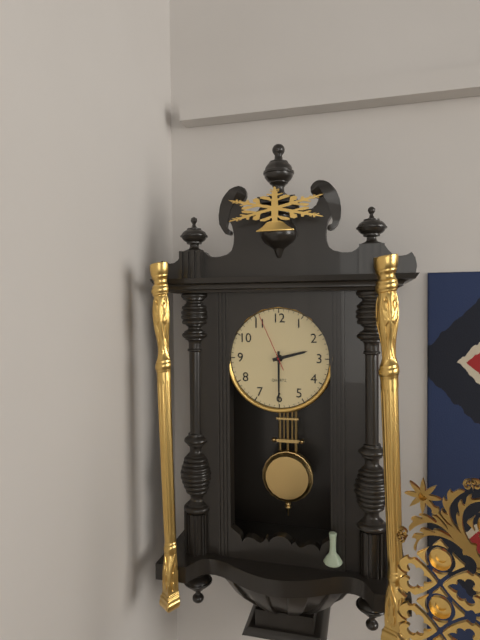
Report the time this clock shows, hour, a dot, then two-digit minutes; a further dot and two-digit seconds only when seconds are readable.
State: 2.30.56
